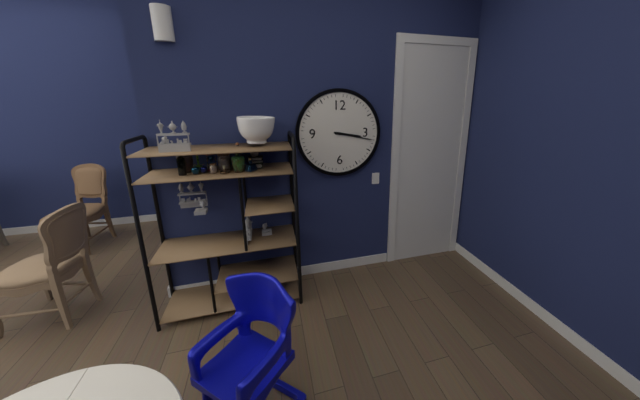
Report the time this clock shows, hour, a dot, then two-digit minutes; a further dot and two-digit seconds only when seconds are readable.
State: 3.17
